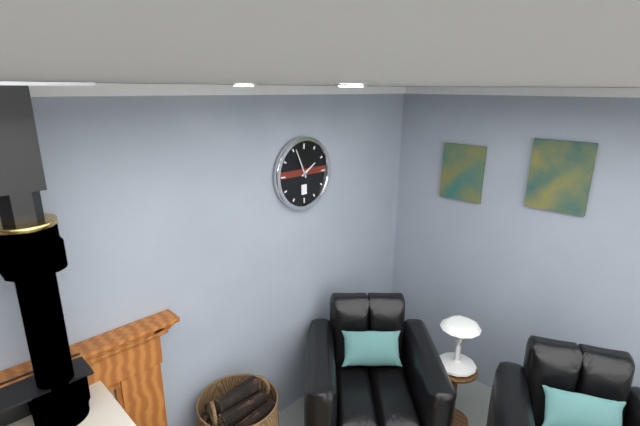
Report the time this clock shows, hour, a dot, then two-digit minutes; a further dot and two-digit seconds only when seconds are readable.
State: 1.56
